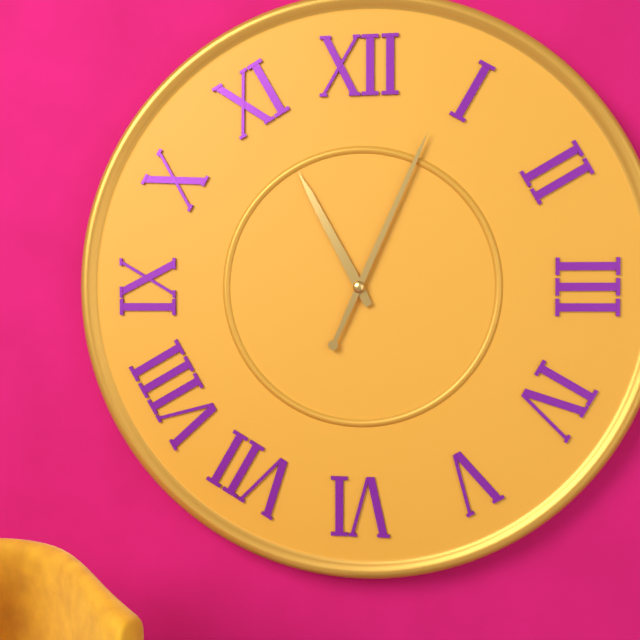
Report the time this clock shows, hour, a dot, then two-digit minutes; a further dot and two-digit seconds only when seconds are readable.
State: 11.04
